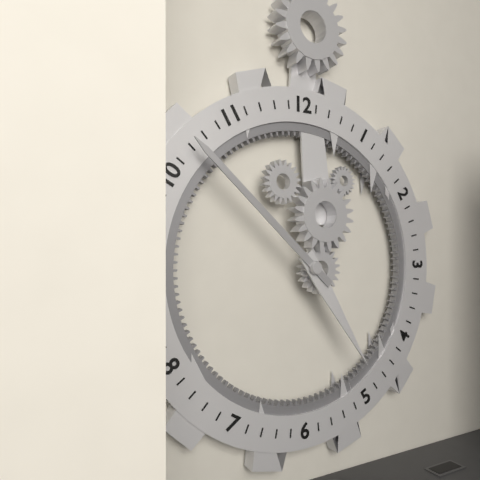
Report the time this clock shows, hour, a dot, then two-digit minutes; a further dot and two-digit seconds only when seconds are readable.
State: 4.52
